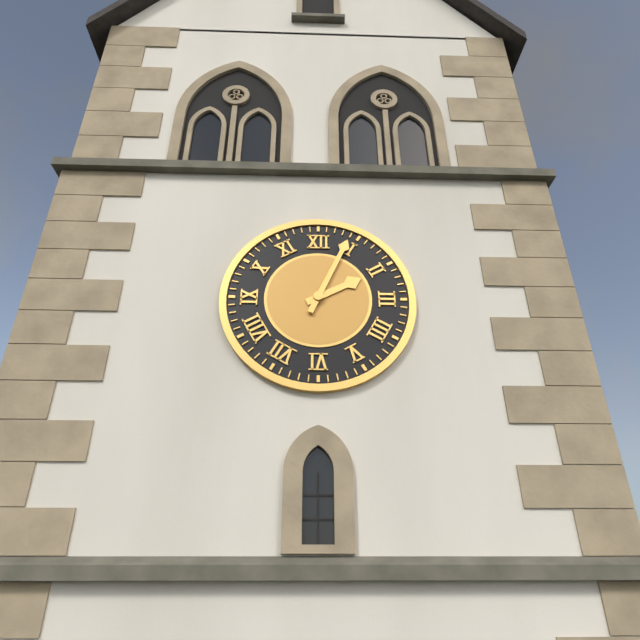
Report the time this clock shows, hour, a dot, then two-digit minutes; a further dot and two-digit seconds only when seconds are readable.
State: 2.04
